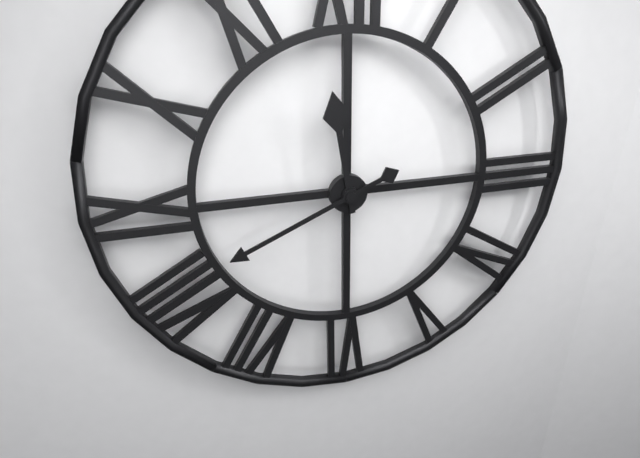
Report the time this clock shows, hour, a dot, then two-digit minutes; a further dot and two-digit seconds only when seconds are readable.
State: 11.41
